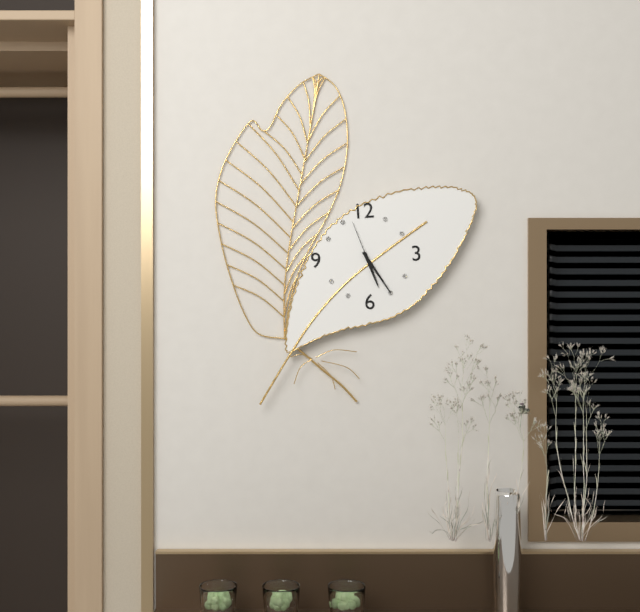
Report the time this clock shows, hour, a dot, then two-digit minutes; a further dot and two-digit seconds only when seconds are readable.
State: 5.25.57
